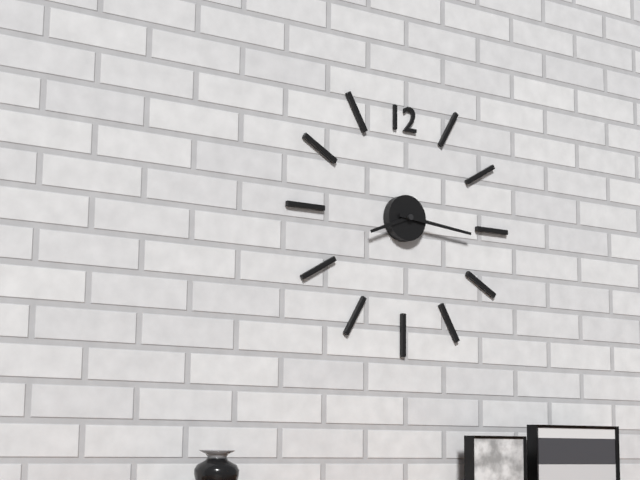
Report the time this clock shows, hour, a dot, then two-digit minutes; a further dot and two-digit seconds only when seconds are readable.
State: 8.16
